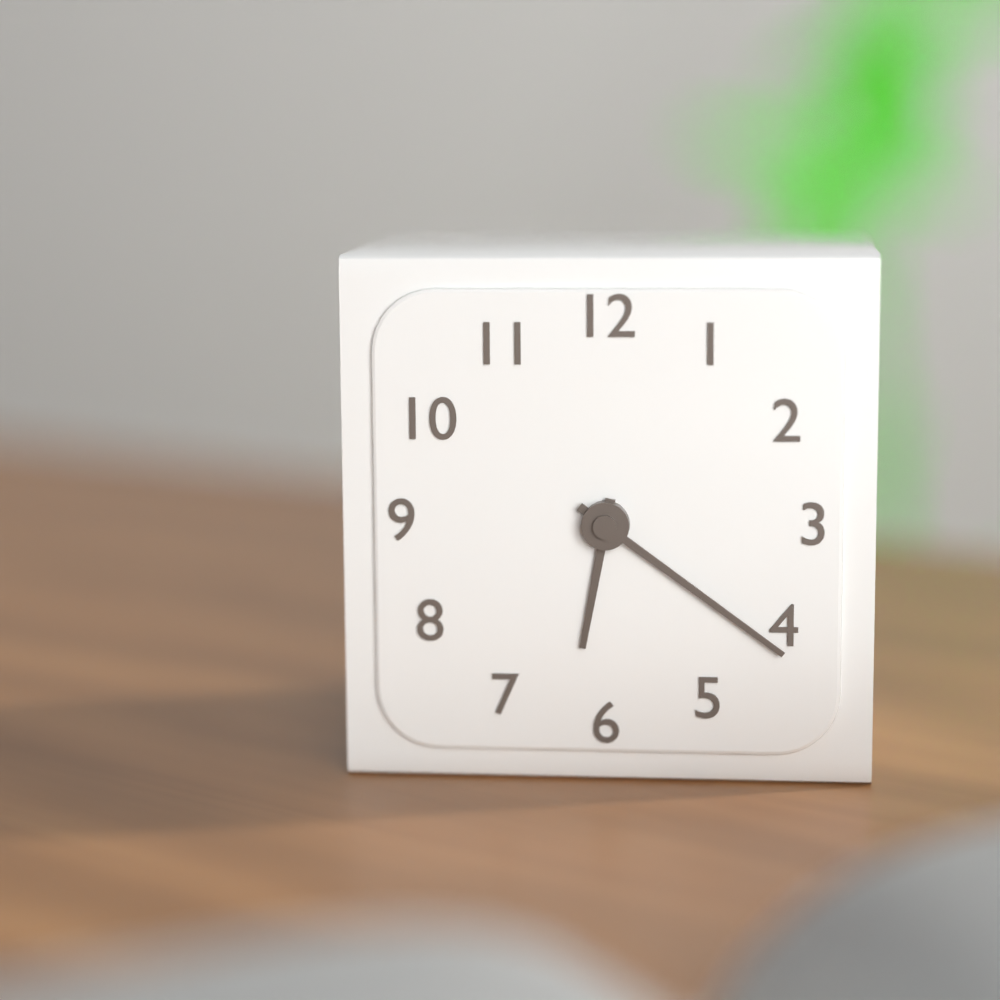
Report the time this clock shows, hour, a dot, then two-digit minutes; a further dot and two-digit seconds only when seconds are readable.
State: 6.21
